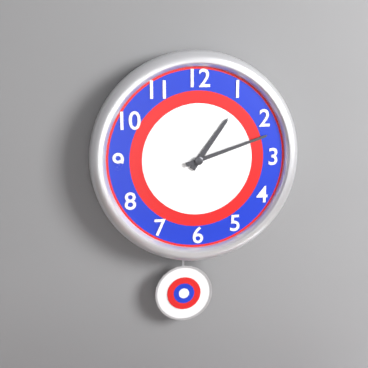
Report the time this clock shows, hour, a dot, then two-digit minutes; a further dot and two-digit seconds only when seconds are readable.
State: 1.12
